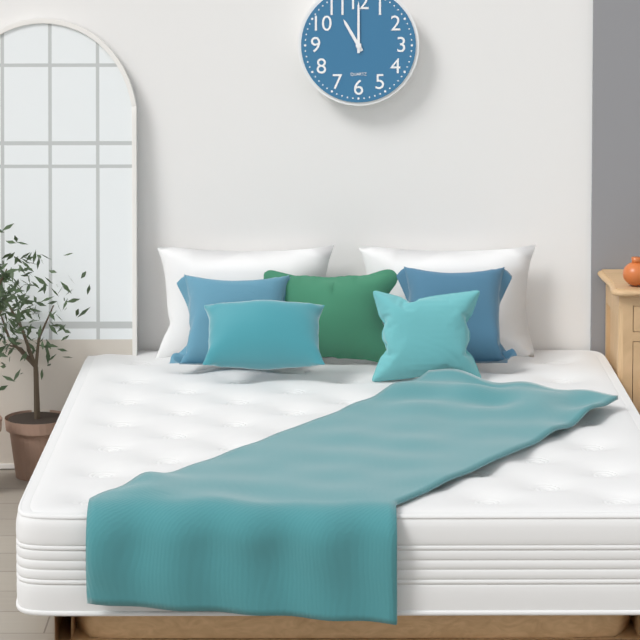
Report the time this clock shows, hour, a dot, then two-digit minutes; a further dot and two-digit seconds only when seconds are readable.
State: 11.00
